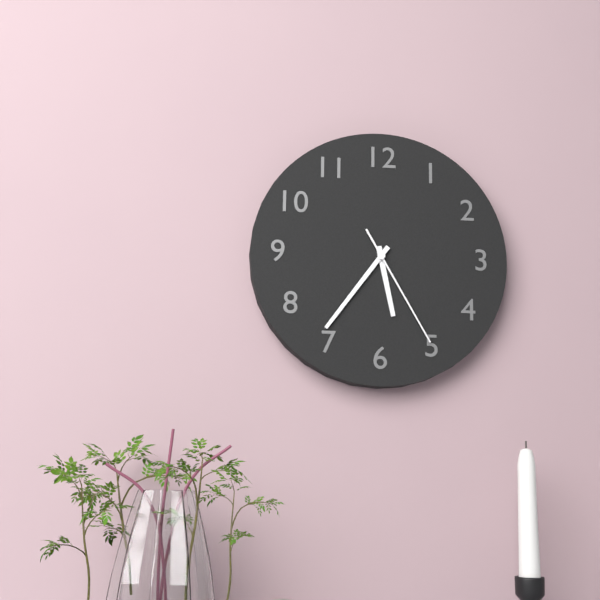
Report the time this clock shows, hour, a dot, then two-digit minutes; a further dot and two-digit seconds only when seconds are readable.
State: 5.36.25
